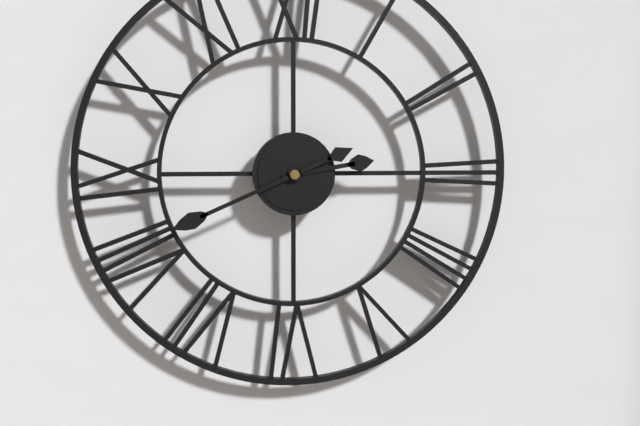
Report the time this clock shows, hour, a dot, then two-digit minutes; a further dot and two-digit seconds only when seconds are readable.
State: 2.41
